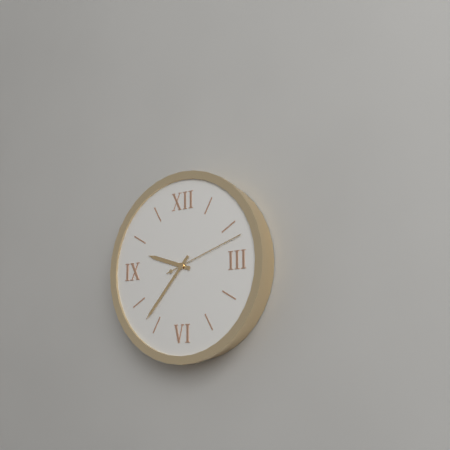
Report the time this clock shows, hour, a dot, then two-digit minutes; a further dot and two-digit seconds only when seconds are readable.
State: 9.37.12
